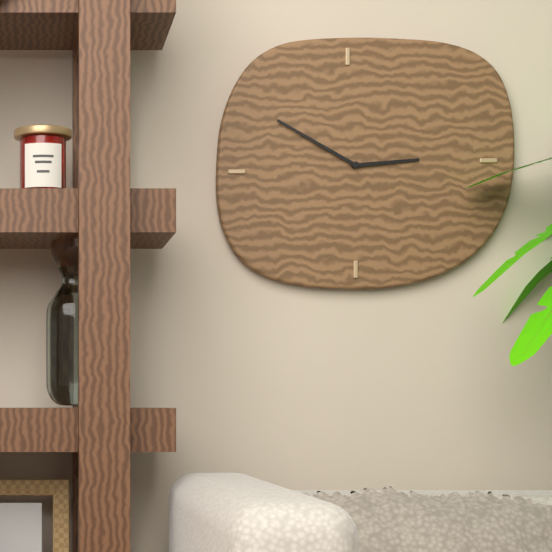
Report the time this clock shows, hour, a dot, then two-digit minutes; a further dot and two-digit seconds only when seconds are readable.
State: 2.50
